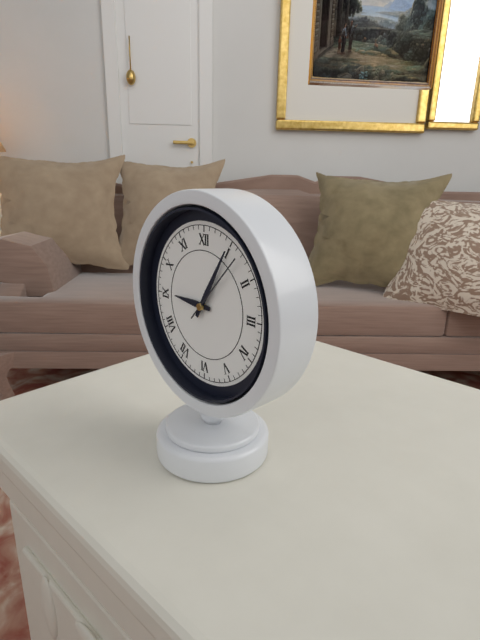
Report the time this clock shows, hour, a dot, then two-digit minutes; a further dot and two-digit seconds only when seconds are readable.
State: 9.05.07
